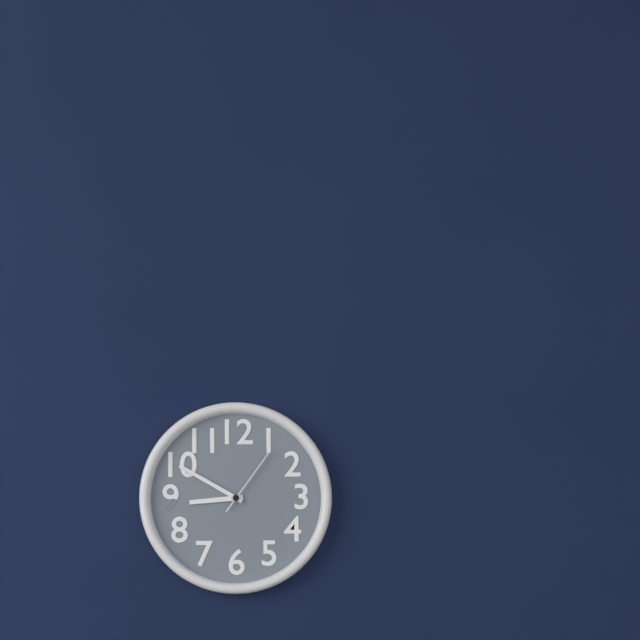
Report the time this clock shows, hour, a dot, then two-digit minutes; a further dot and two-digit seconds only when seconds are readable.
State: 8.50.06
